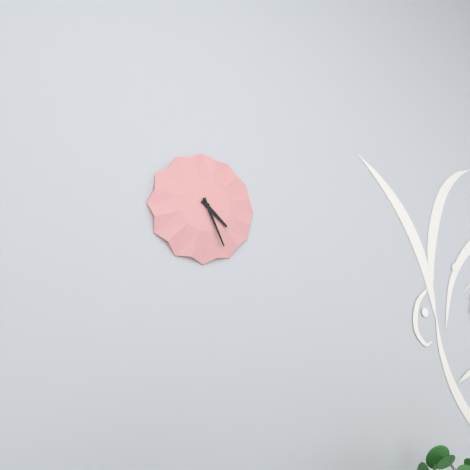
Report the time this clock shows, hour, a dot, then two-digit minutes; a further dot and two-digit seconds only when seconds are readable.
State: 4.26
